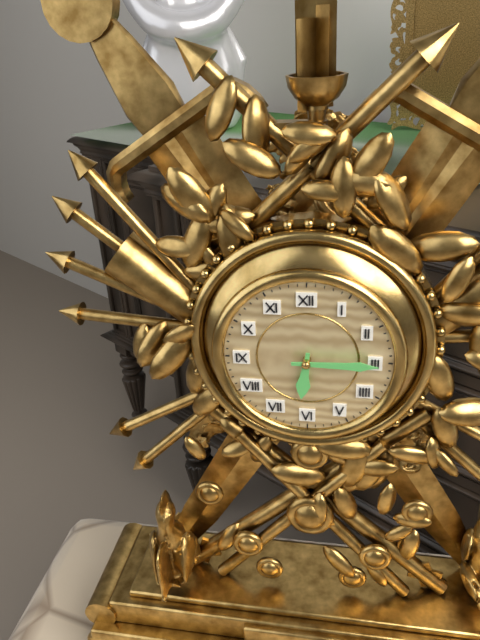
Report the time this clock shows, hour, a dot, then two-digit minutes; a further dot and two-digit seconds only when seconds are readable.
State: 6.15
